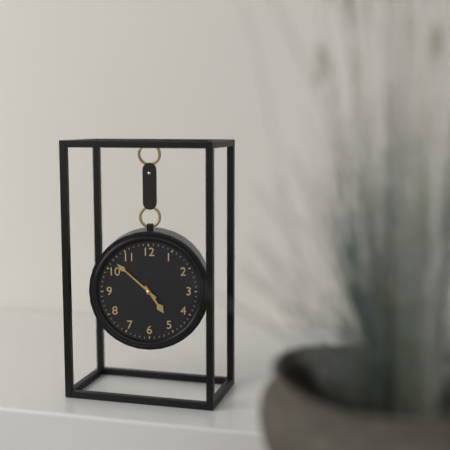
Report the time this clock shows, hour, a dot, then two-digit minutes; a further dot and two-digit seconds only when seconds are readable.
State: 4.52
